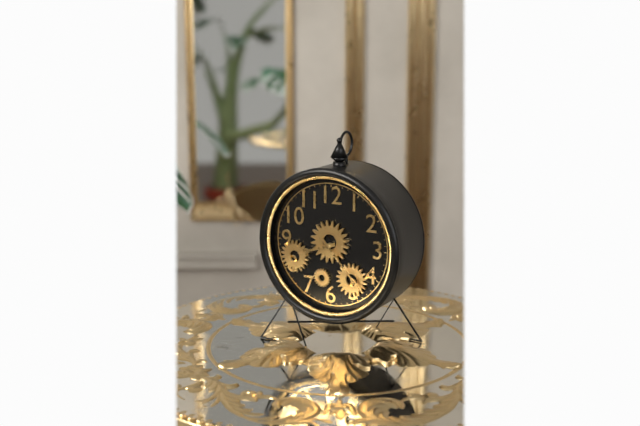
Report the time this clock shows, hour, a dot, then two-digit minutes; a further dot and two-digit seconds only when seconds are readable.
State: 8.23
